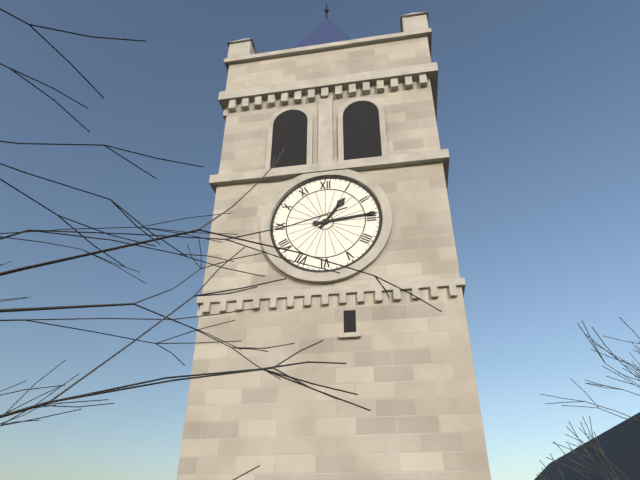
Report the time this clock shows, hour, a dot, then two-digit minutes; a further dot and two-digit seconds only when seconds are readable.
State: 1.14
